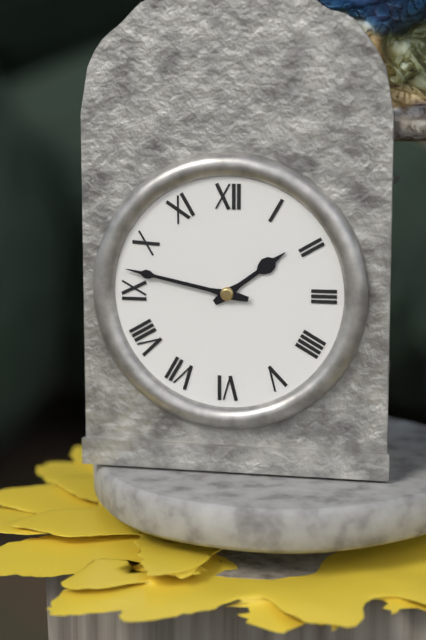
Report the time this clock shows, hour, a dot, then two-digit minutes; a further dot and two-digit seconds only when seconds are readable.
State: 1.47
